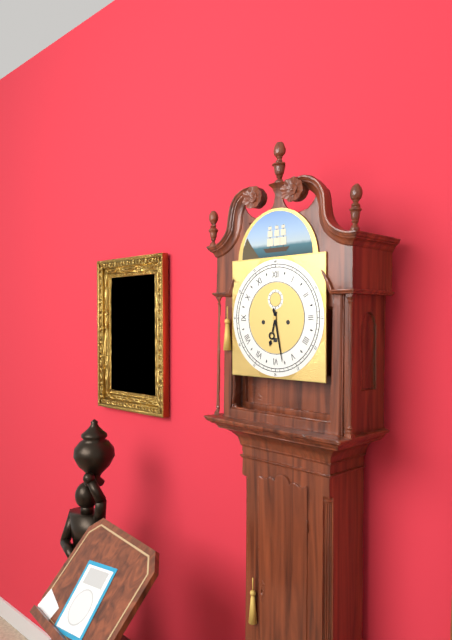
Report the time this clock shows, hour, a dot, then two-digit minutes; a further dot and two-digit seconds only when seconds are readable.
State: 6.28
